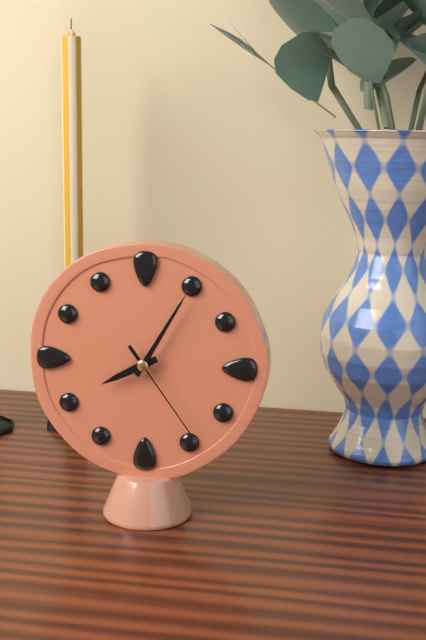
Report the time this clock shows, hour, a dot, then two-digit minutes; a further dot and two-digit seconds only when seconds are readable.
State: 8.05.24
